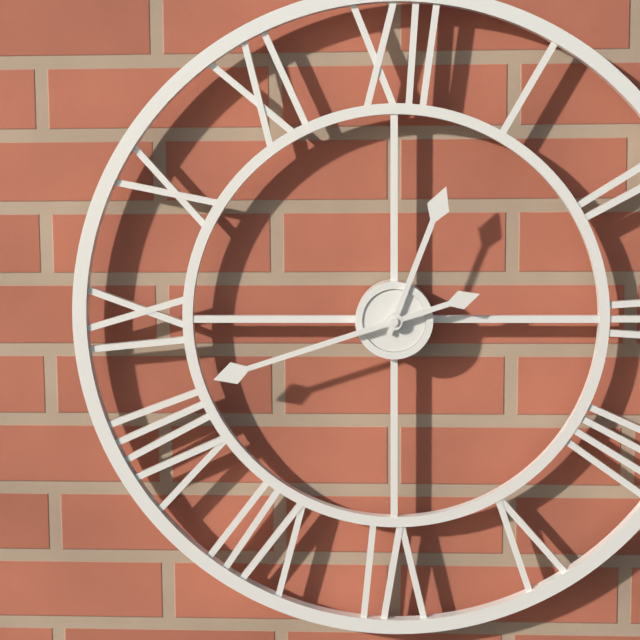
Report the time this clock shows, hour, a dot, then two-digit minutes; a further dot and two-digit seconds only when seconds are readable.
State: 12.42
